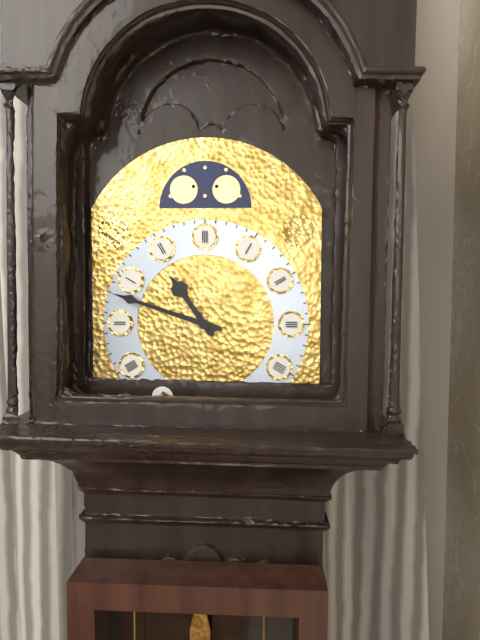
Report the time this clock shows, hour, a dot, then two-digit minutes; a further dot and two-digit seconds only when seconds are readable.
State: 10.48
